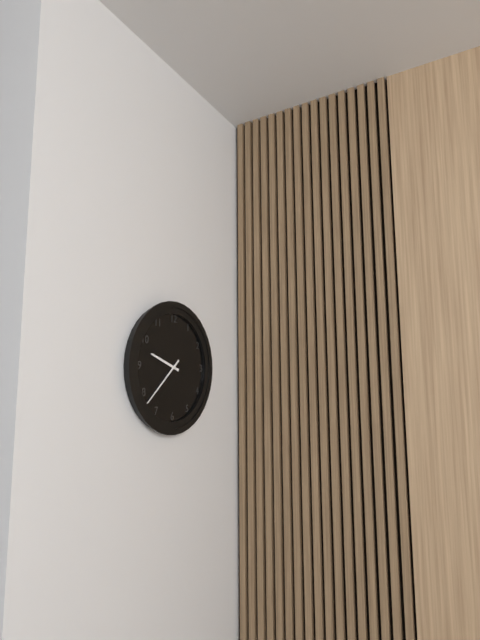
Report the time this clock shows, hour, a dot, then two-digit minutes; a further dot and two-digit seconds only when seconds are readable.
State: 9.38
